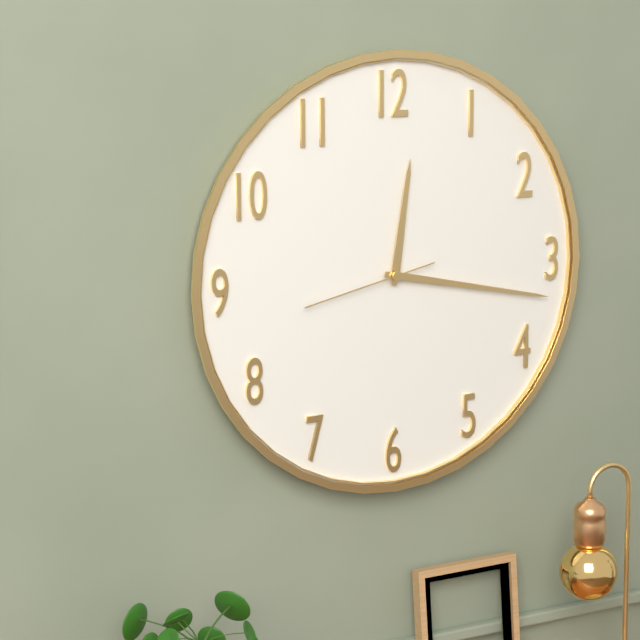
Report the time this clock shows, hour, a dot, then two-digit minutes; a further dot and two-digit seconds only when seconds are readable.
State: 12.17.43
